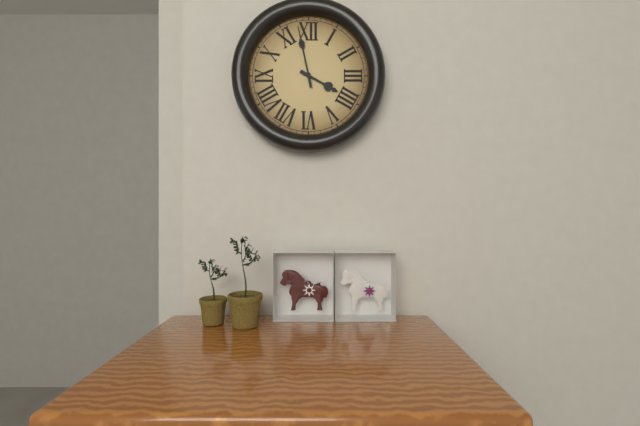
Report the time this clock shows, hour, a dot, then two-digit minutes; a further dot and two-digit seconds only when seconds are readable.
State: 3.58
